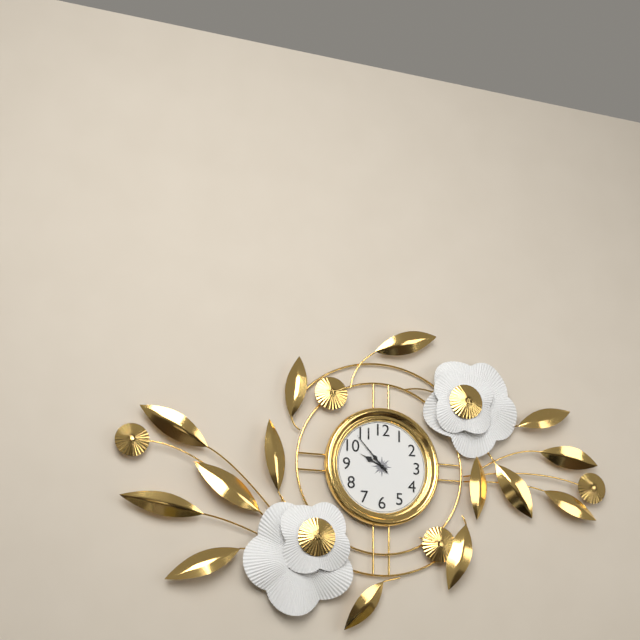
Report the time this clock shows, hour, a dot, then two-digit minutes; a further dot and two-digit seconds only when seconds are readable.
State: 9.53
